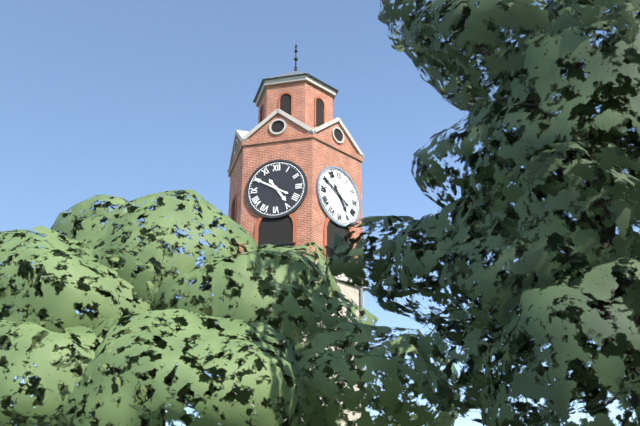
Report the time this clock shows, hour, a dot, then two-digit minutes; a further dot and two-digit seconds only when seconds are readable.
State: 4.50
